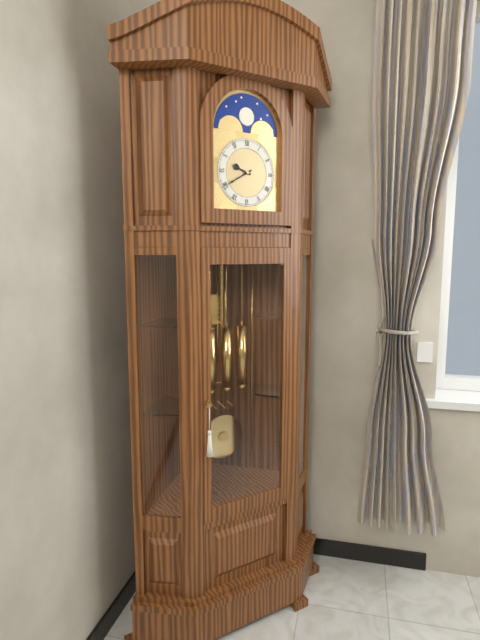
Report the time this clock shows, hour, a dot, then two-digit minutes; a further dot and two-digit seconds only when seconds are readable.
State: 9.40
